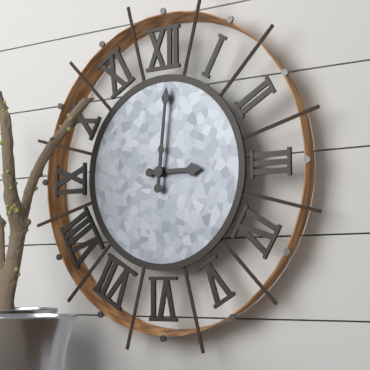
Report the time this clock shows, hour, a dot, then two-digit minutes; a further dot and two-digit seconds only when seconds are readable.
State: 3.01
